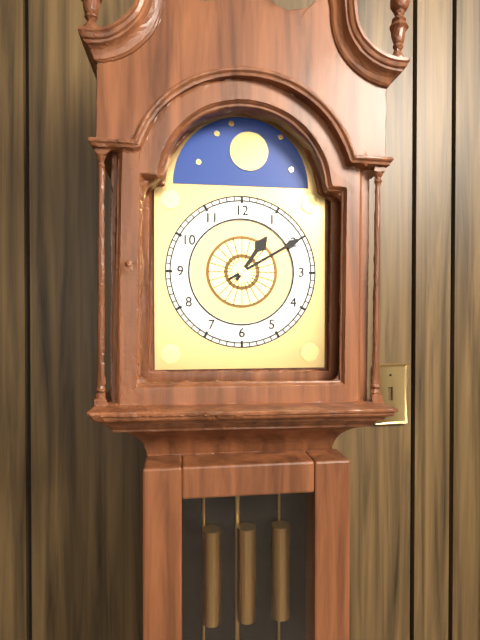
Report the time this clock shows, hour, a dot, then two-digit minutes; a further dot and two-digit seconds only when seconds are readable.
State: 1.10
